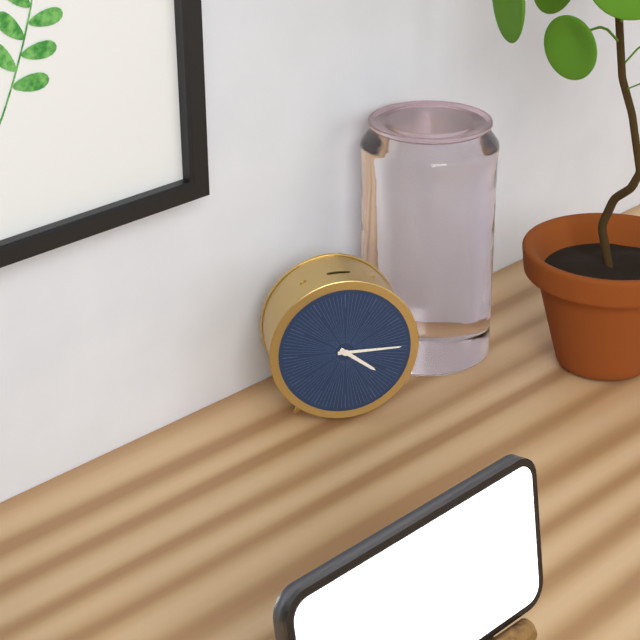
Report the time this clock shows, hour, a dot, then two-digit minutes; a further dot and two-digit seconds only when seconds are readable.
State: 4.15
